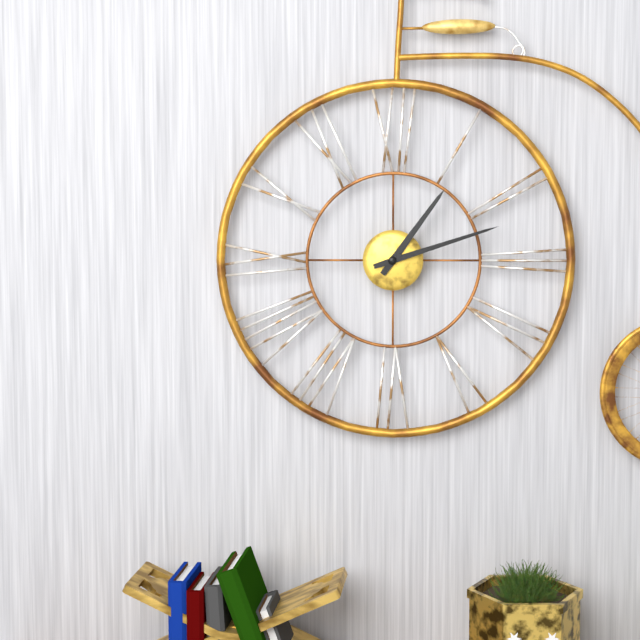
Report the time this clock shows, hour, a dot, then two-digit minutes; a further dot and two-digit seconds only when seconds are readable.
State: 1.12
